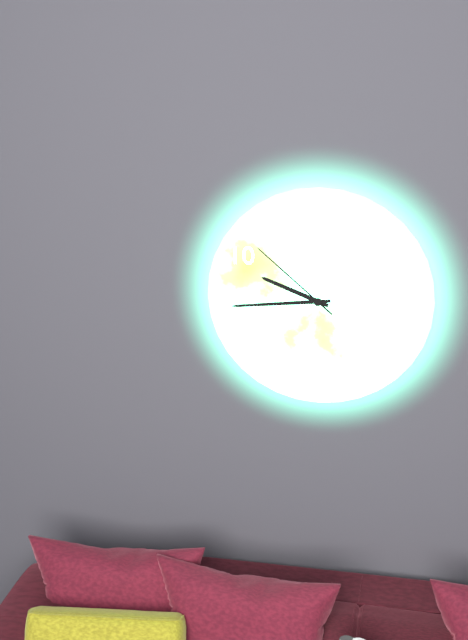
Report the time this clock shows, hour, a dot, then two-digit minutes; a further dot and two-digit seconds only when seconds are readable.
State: 9.44.52
